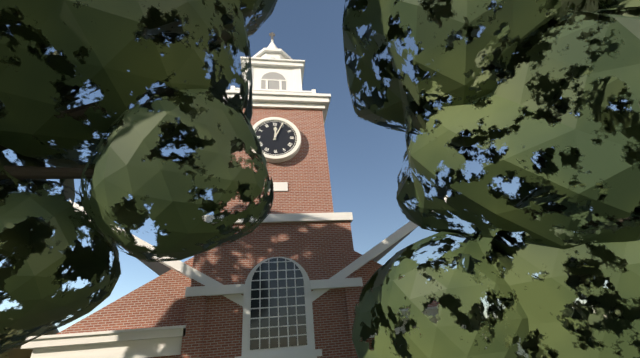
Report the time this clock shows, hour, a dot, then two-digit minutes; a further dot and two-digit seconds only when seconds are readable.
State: 12.04
